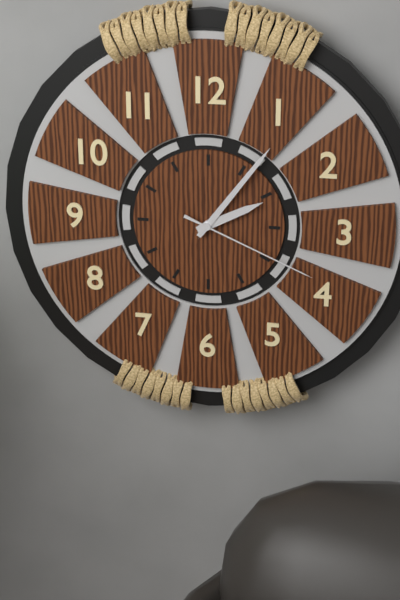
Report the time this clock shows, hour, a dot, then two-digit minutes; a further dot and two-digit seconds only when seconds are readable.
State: 2.06.19
